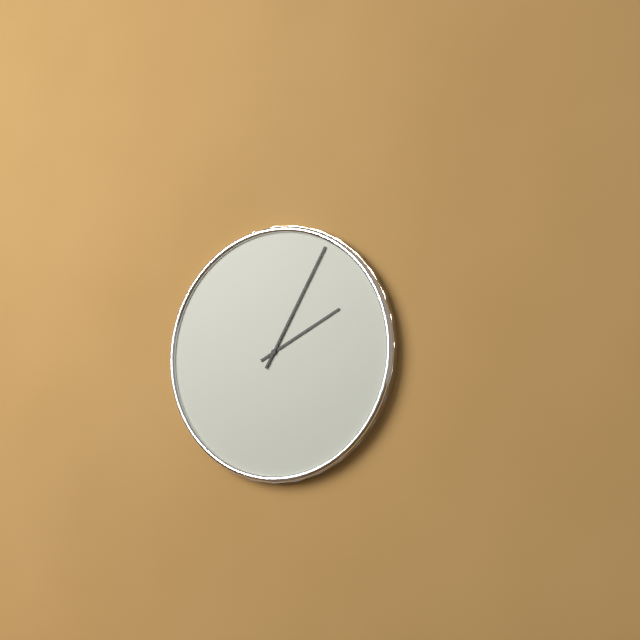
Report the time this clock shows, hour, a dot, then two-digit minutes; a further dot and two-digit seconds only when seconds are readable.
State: 2.05
